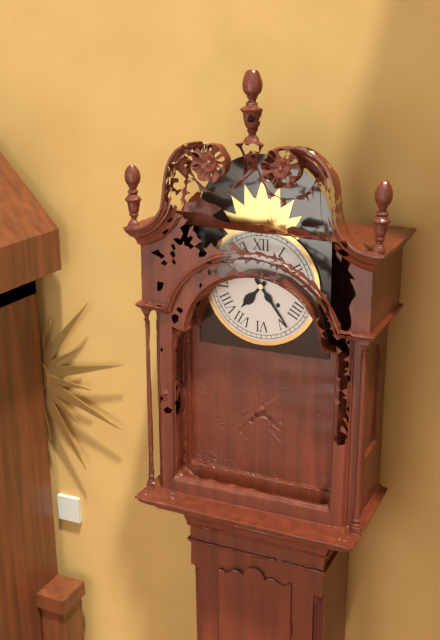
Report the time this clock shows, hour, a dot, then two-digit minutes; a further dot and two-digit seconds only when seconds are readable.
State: 7.24
